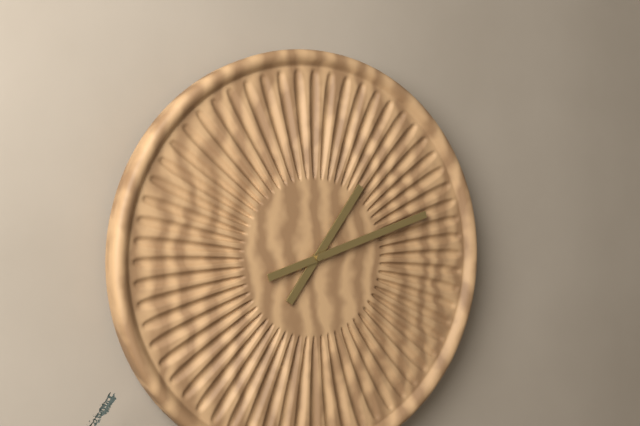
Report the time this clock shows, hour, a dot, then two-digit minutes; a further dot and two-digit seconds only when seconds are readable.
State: 1.12
